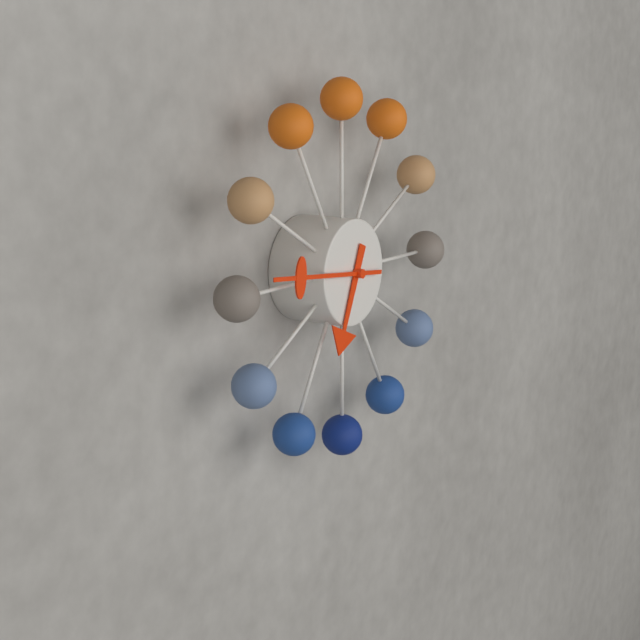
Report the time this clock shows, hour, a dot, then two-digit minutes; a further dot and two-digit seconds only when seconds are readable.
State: 6.46
